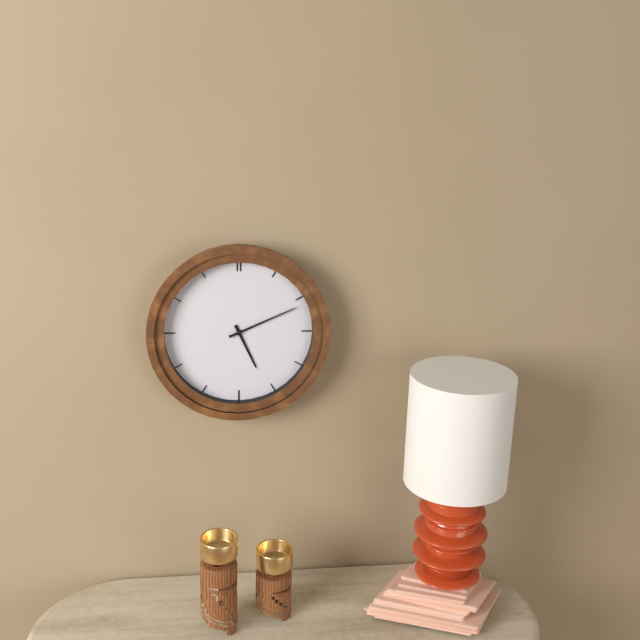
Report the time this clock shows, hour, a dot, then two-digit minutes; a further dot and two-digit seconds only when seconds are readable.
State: 5.11
